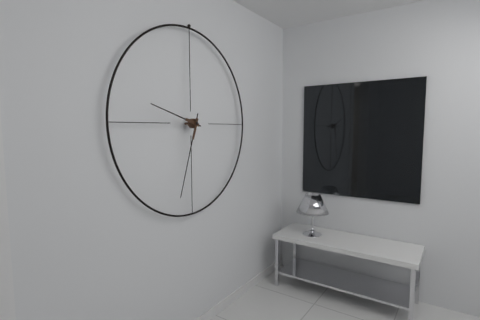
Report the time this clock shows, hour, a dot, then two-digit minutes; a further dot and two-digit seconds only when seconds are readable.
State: 9.33
